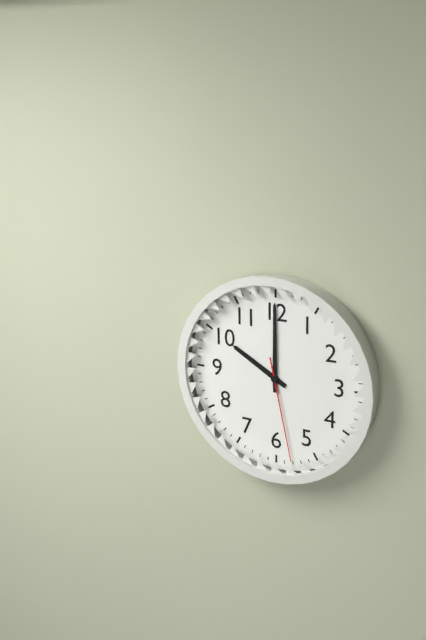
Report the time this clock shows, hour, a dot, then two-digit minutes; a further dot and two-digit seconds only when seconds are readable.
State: 10.00.28
